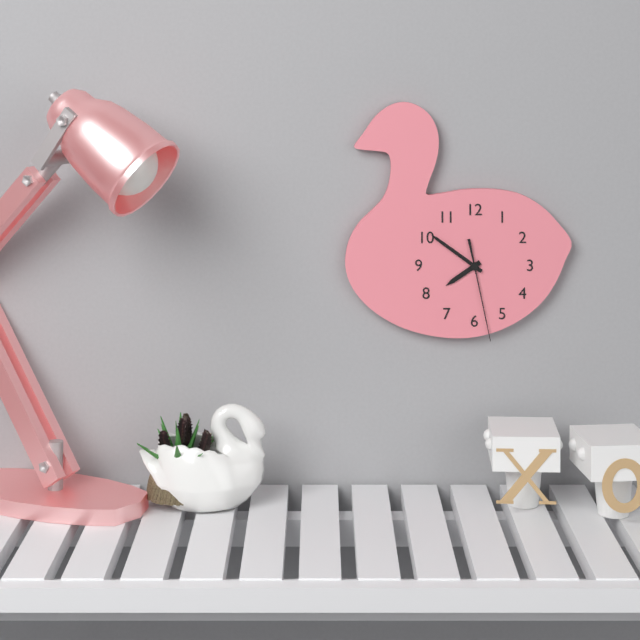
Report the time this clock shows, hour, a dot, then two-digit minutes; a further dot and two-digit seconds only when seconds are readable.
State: 7.51.28
